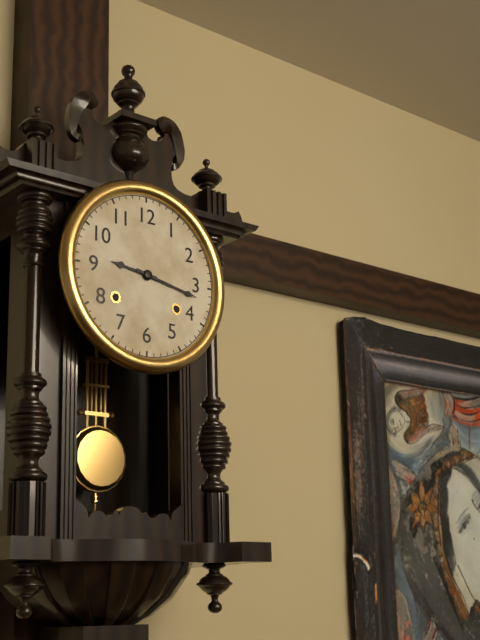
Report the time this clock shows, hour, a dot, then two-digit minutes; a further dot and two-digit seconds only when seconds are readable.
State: 9.17
